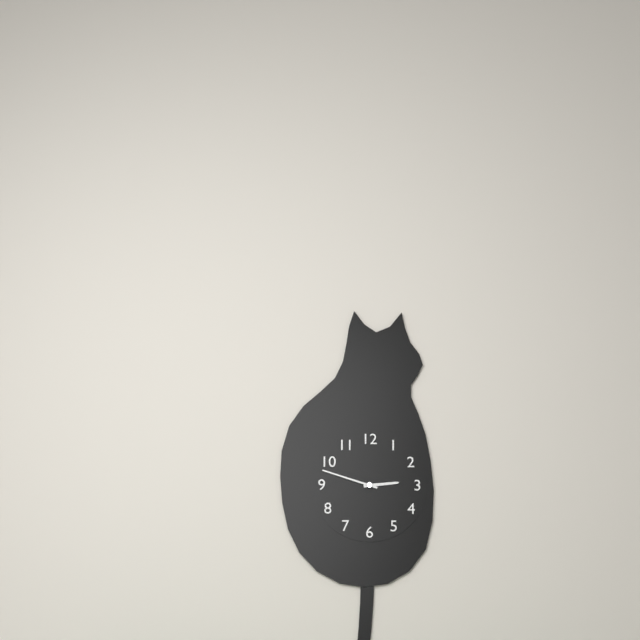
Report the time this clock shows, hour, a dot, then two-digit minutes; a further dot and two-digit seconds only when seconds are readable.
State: 2.48
